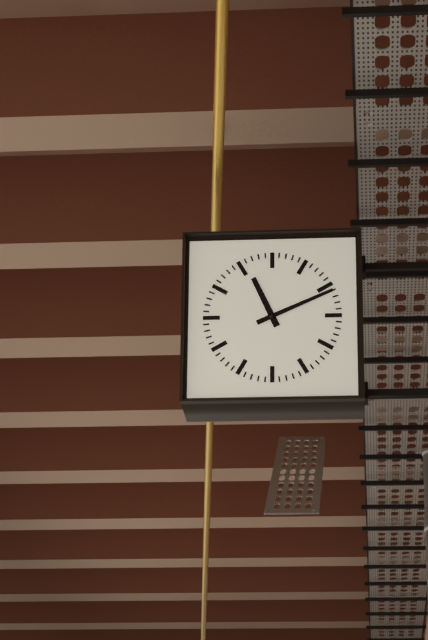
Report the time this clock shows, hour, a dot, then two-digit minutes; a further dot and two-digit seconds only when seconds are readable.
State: 11.11
